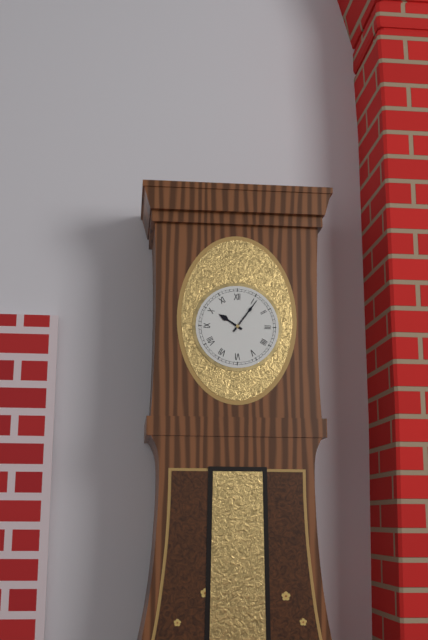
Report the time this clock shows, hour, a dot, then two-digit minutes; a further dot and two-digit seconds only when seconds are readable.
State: 10.06
